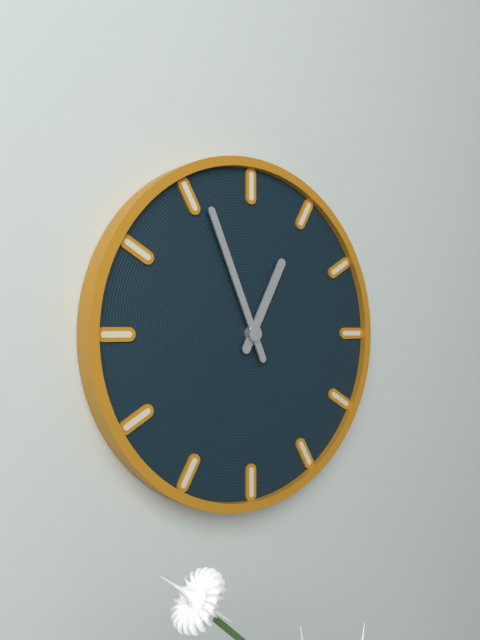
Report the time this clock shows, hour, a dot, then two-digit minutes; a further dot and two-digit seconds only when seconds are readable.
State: 12.56
